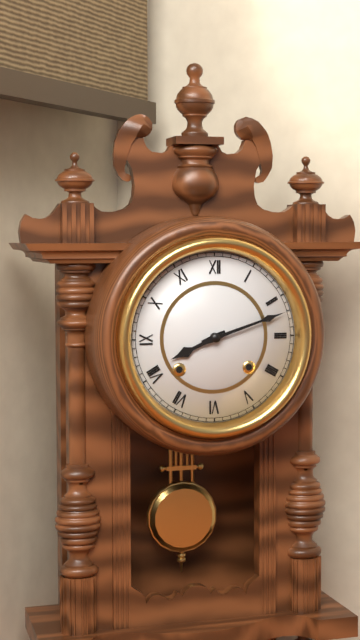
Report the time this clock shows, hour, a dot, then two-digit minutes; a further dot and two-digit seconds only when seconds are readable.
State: 8.12
